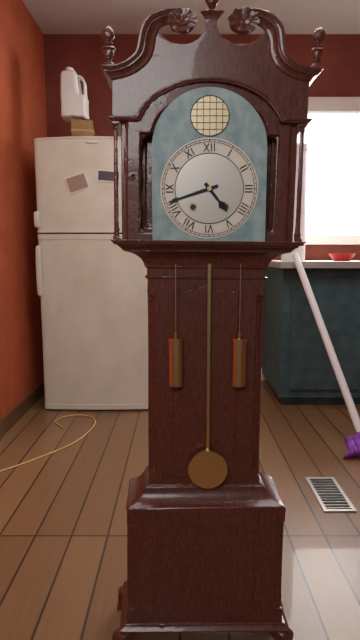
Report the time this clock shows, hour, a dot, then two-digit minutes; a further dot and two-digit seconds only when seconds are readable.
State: 4.42
